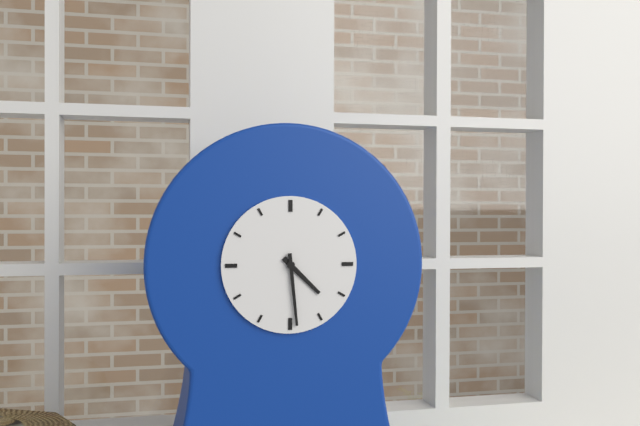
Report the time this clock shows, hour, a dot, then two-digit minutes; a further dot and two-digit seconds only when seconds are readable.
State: 4.29
